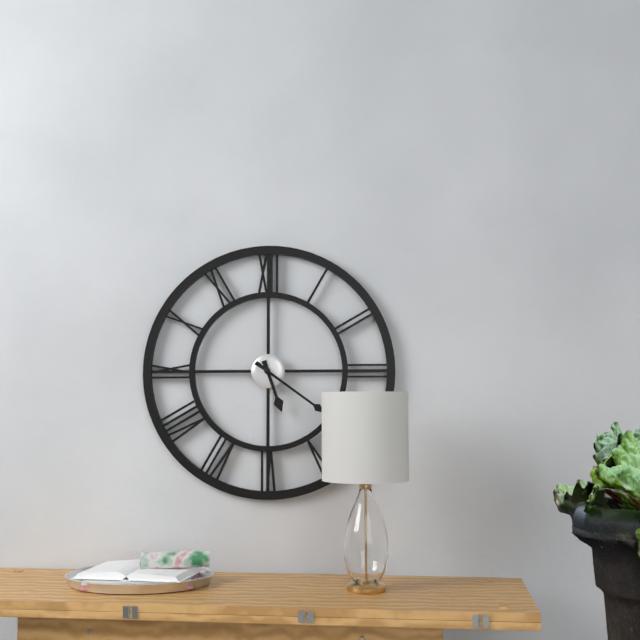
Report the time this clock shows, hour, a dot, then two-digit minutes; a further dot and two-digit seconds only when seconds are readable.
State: 5.21
